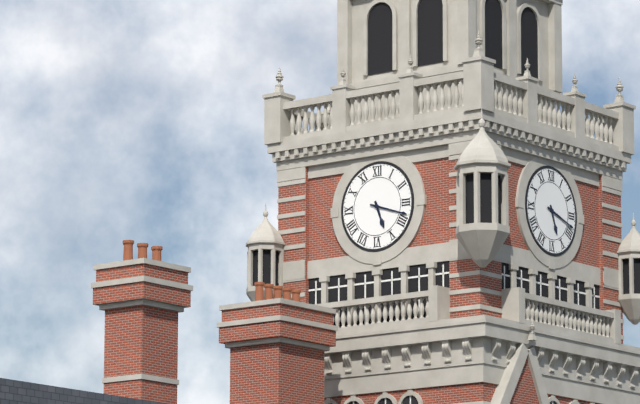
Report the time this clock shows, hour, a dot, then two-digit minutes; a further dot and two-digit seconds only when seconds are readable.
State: 5.18
